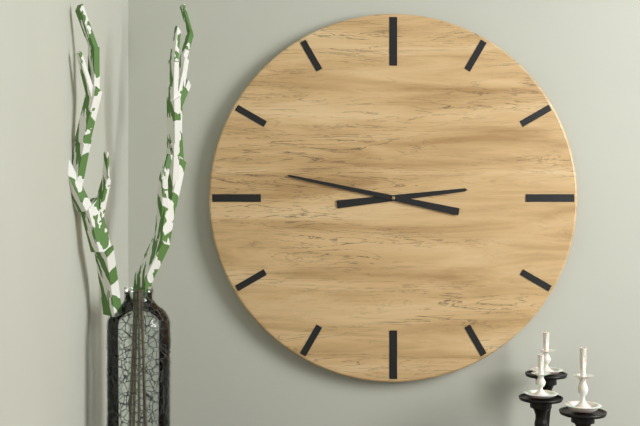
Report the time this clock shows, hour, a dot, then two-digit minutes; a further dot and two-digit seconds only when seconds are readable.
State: 2.47
